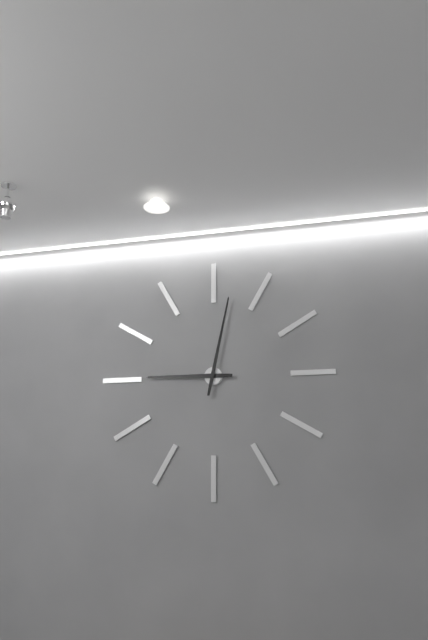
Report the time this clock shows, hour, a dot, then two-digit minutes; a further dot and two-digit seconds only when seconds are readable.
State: 9.02
